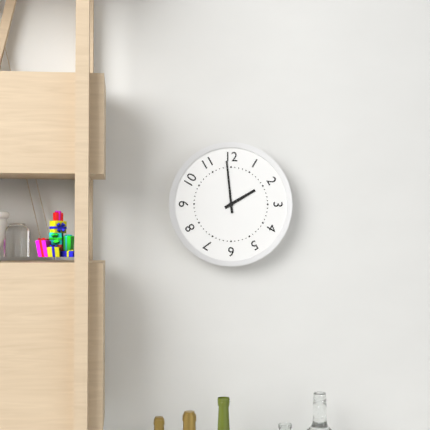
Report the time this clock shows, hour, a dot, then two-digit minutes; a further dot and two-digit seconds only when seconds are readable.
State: 1.59
